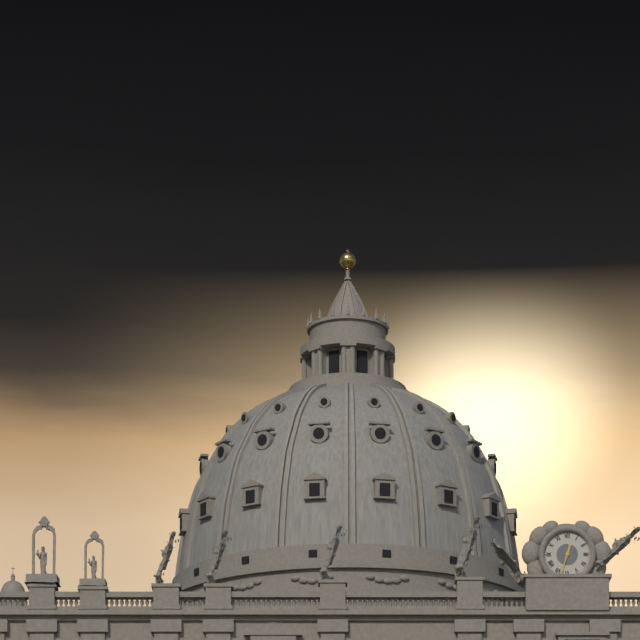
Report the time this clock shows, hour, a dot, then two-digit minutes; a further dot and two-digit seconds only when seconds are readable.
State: 12.33
